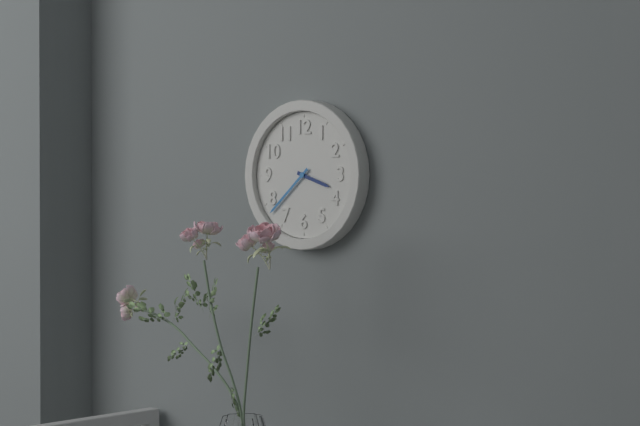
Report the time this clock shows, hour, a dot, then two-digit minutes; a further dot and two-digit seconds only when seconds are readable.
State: 3.38
